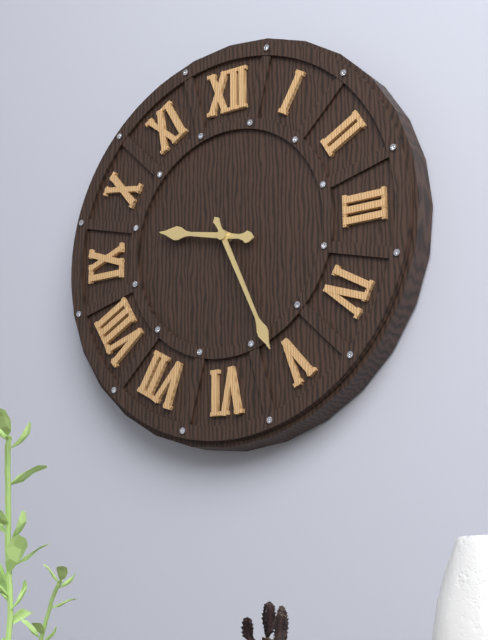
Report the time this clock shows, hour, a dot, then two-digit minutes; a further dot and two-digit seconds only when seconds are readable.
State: 9.26
